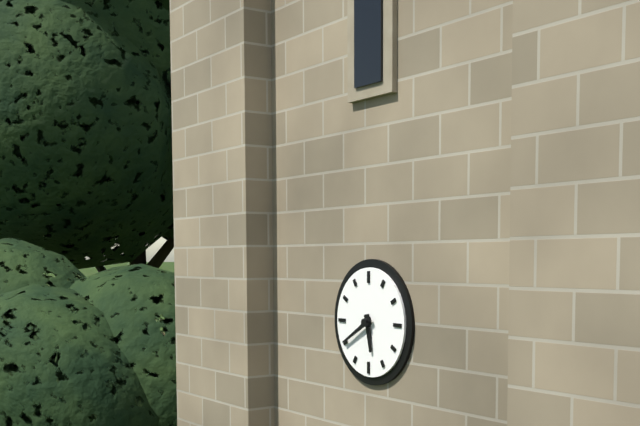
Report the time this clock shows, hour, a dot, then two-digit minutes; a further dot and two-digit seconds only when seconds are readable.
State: 5.40
